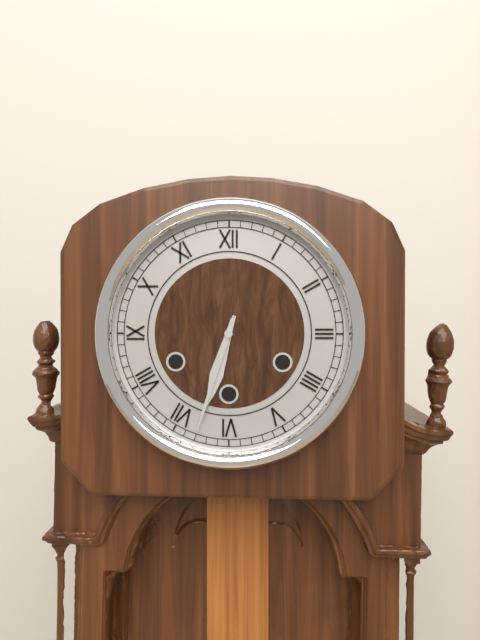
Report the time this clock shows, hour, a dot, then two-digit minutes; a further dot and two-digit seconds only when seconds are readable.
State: 6.33
